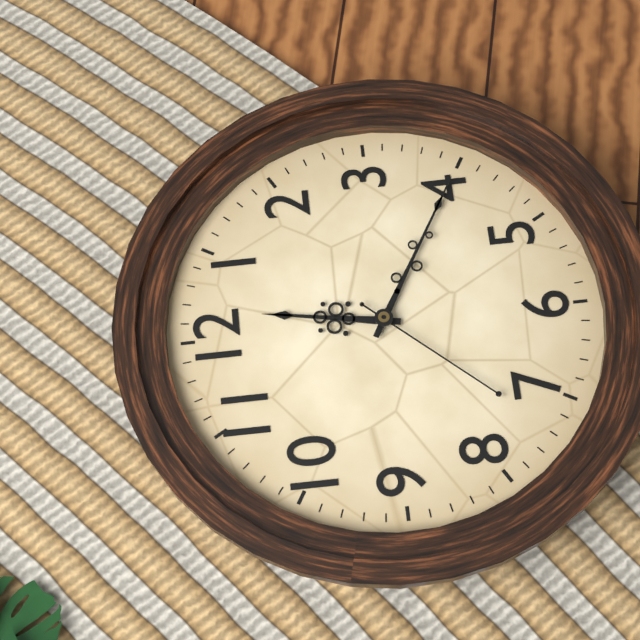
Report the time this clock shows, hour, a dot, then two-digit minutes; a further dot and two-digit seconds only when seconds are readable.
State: 12.20.37
